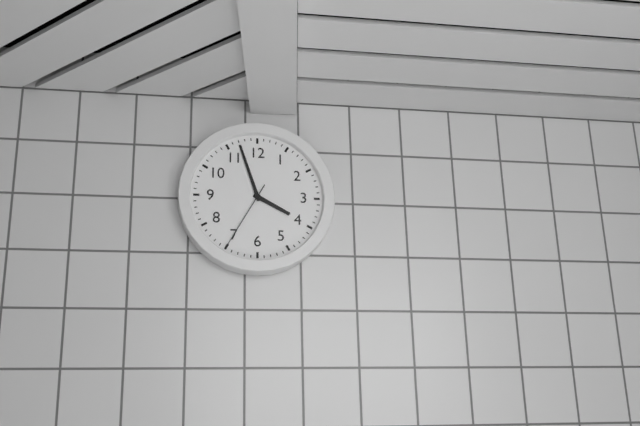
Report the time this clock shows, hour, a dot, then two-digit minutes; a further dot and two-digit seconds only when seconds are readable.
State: 3.57.35
